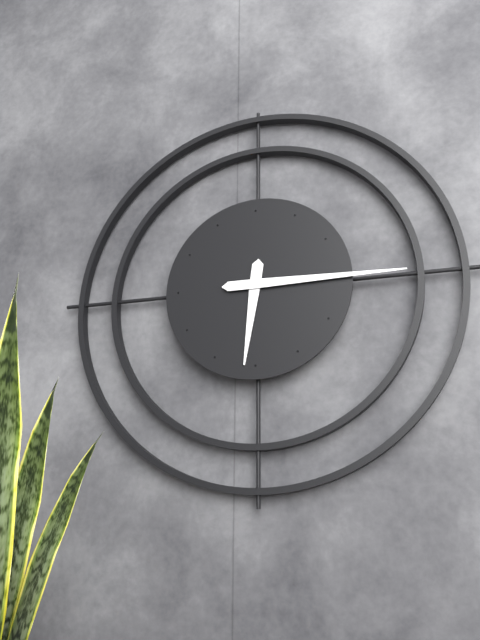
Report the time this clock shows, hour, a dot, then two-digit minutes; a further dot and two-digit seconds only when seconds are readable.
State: 6.15
